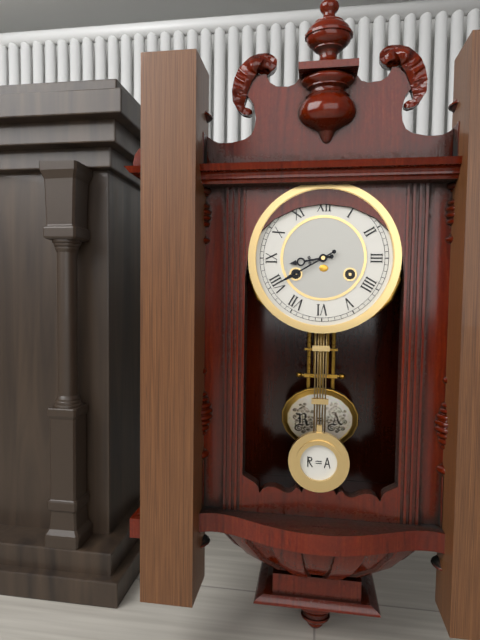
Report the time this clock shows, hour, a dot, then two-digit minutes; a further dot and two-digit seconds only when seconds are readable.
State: 8.40
